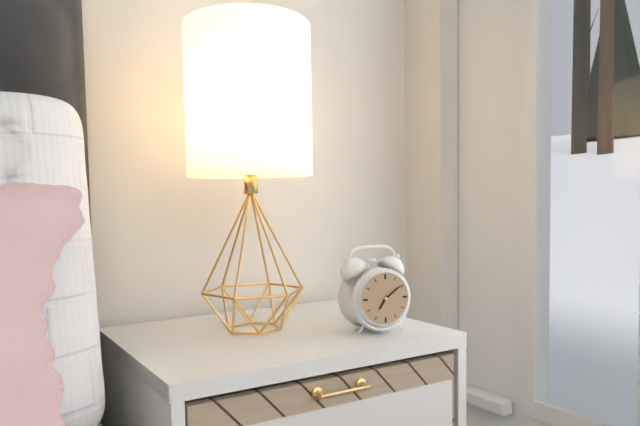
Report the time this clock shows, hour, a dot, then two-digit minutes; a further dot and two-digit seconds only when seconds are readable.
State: 7.09
